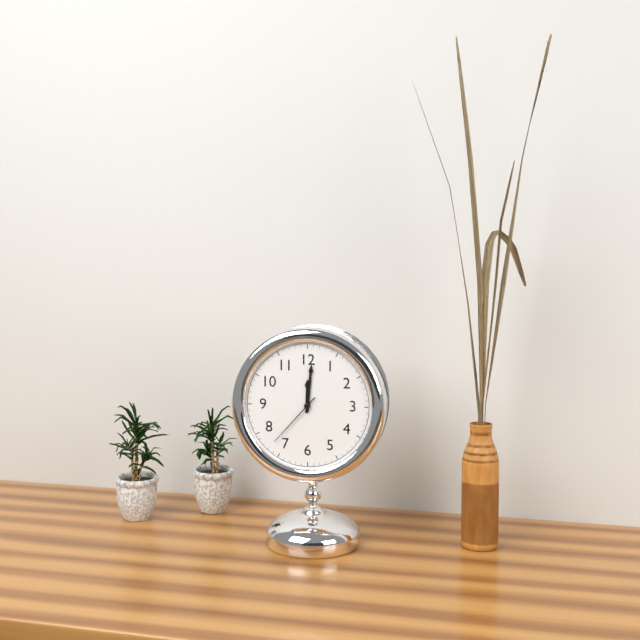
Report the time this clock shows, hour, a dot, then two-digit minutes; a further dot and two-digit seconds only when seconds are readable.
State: 12.01.37
